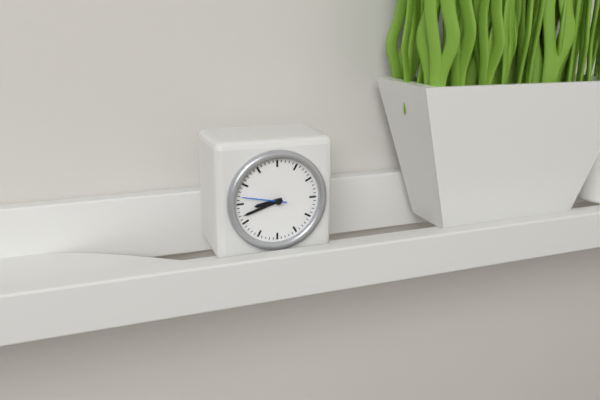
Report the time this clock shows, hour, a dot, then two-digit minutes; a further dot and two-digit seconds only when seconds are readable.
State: 8.42
